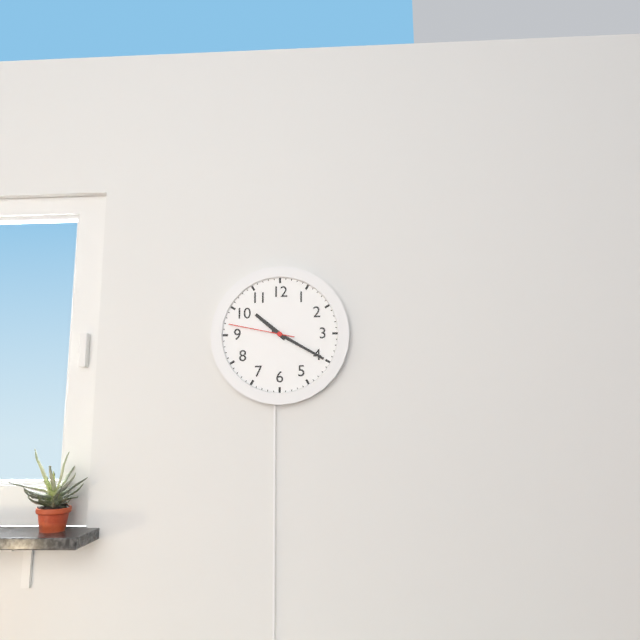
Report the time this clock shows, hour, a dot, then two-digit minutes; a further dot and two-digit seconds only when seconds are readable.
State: 10.20.47
